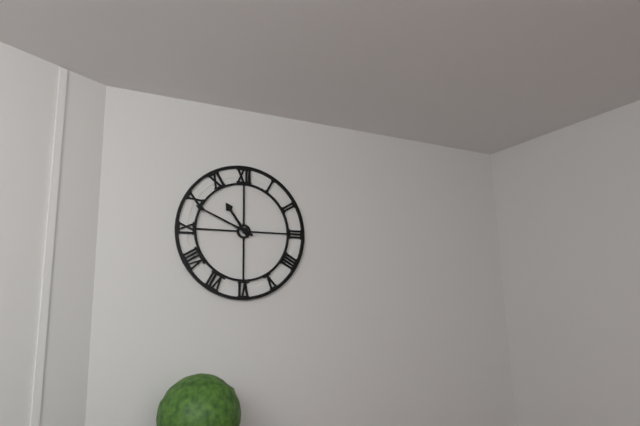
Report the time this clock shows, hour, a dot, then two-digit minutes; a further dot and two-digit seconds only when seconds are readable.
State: 10.49
